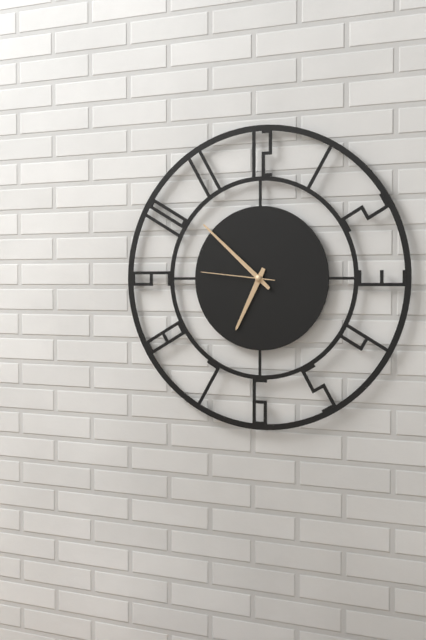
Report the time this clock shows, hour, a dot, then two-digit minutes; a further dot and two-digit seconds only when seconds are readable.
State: 6.52.46
